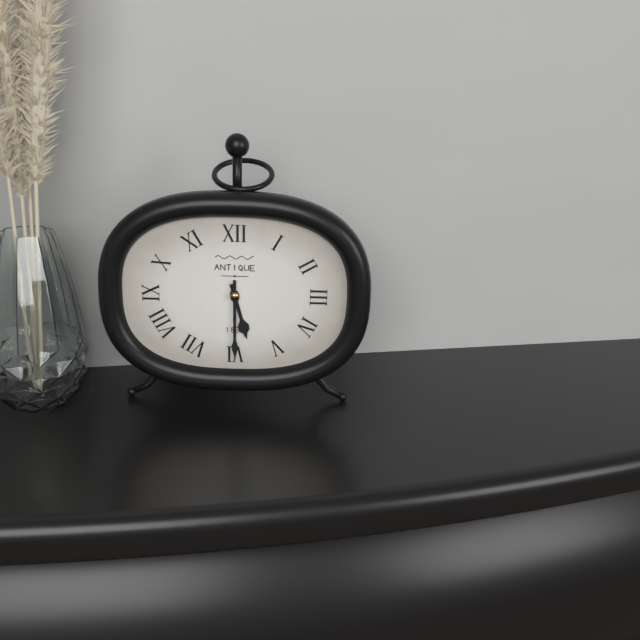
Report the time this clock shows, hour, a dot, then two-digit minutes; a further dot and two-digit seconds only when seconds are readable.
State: 5.30
